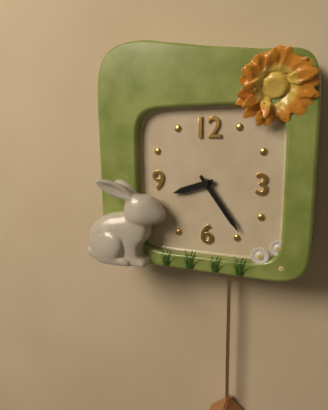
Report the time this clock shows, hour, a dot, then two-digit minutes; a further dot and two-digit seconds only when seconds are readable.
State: 8.24
